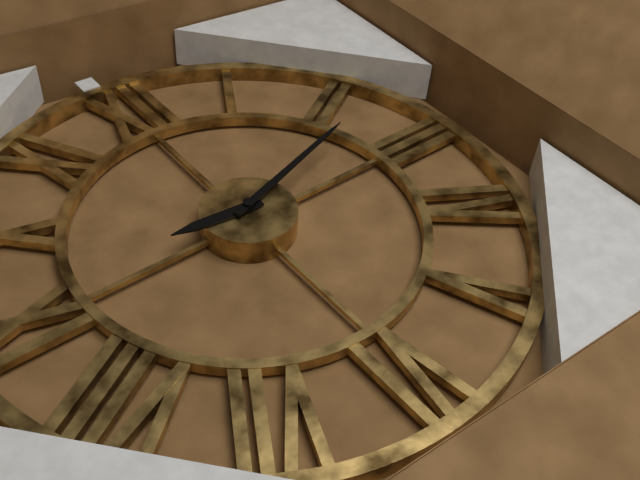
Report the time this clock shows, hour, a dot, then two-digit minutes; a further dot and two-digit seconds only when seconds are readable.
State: 9.12
